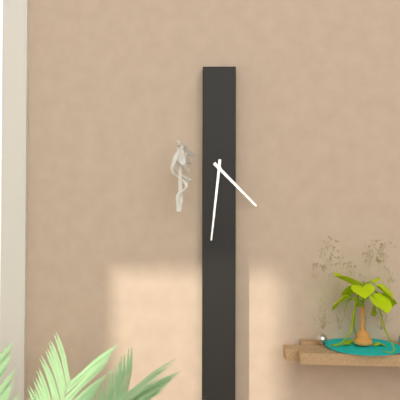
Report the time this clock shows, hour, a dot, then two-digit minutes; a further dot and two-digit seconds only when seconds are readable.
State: 4.31
